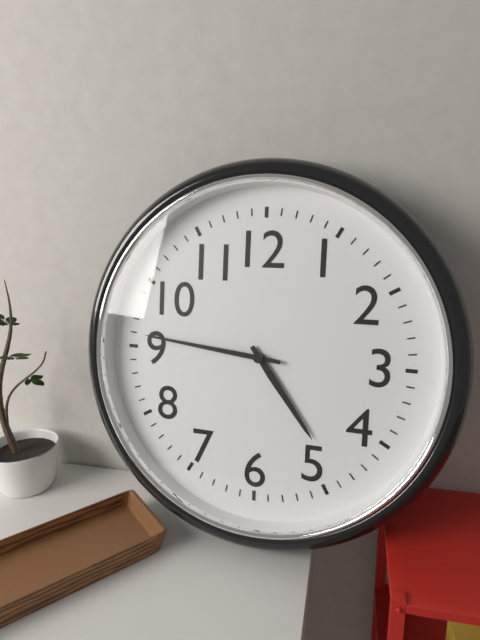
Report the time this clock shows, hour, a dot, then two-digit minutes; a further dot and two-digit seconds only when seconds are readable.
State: 4.46
